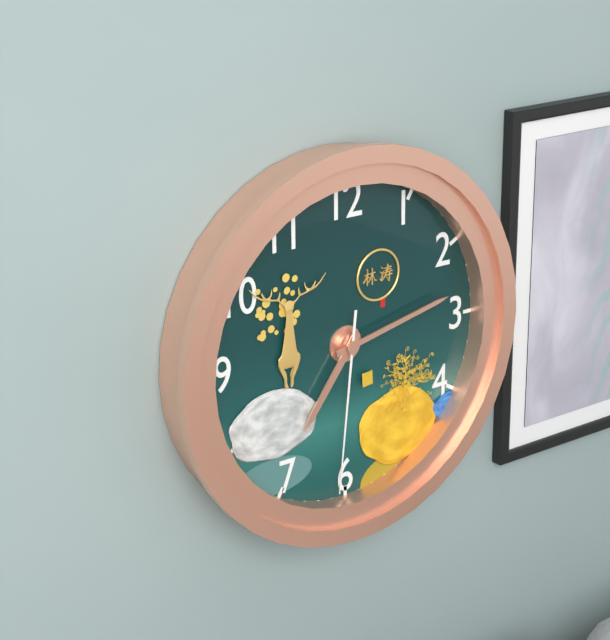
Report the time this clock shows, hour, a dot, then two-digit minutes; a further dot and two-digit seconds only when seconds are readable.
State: 7.13.31
